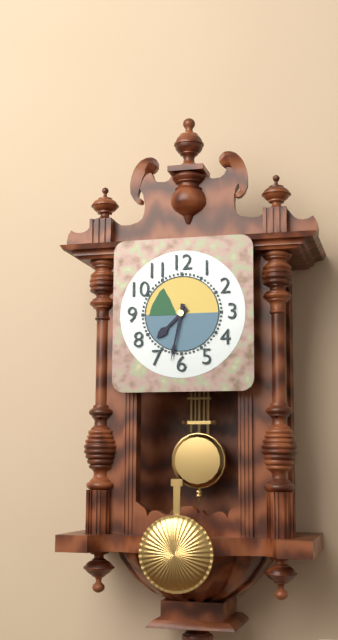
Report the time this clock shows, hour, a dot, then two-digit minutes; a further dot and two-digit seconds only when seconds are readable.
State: 7.32
